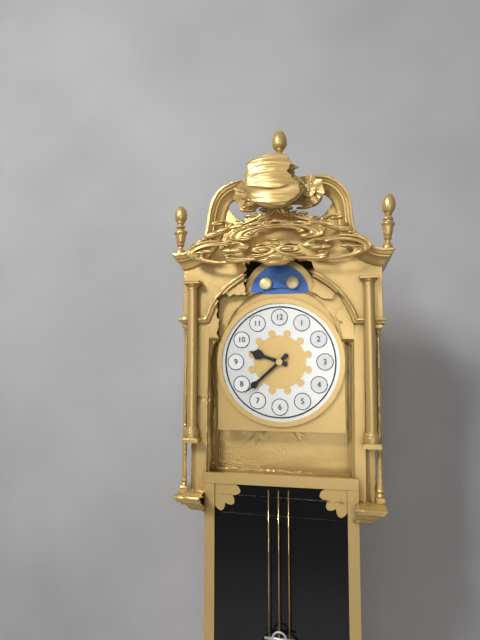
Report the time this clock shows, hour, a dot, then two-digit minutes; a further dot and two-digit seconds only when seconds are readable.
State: 9.38
